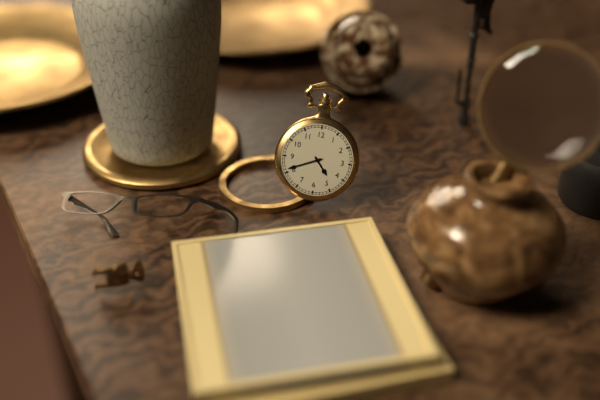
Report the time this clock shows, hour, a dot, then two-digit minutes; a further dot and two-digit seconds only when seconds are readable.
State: 4.41
